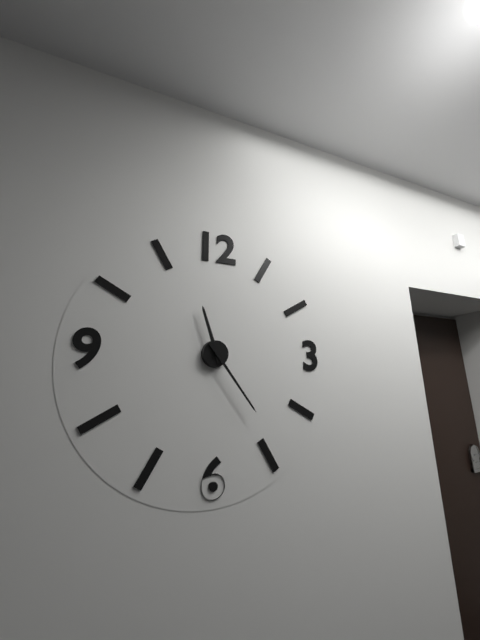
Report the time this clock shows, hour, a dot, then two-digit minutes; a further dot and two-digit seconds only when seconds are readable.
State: 11.24
